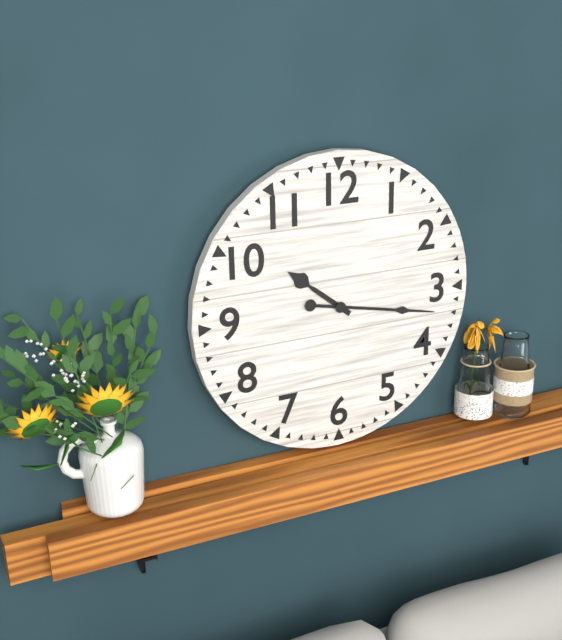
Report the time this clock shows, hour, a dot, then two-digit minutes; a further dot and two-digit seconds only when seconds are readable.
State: 10.17
